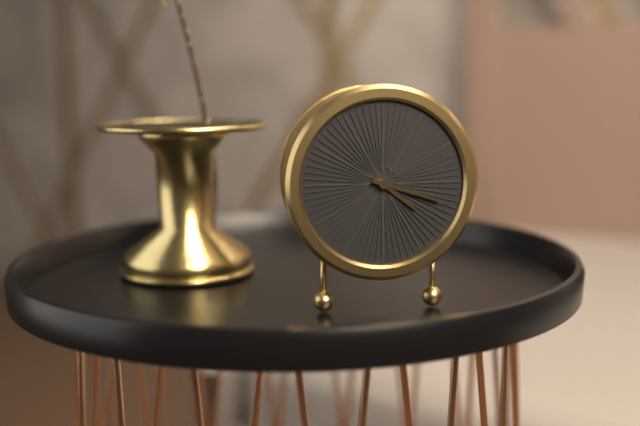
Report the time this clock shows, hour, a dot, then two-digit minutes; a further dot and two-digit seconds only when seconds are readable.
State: 4.18
